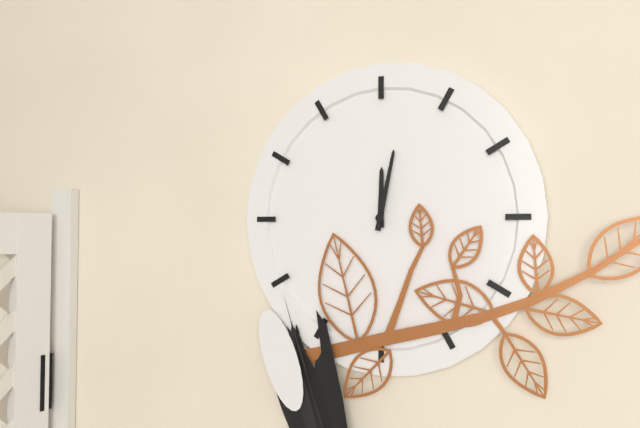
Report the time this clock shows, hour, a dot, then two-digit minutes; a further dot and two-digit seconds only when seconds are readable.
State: 12.02
